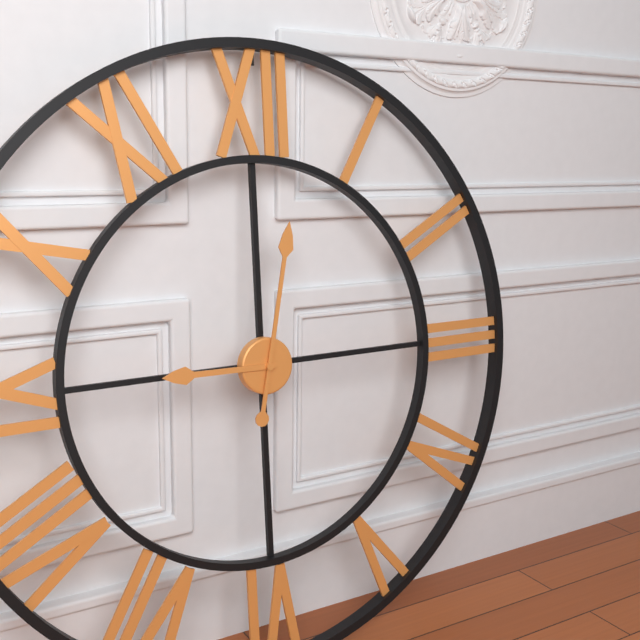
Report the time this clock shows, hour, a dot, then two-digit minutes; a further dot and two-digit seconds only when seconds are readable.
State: 9.02
